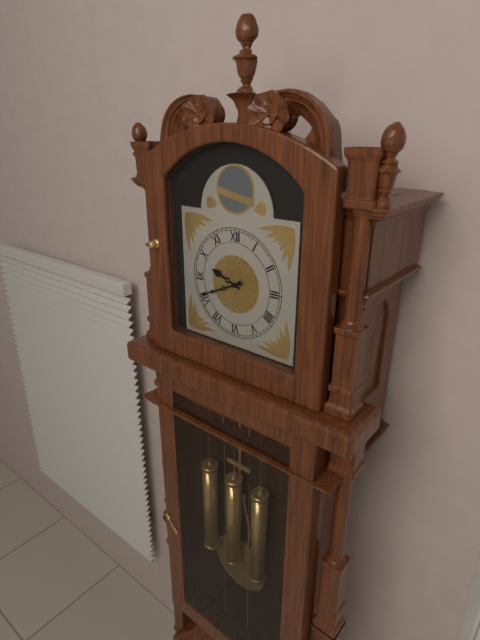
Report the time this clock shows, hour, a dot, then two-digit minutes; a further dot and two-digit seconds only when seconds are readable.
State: 9.41
